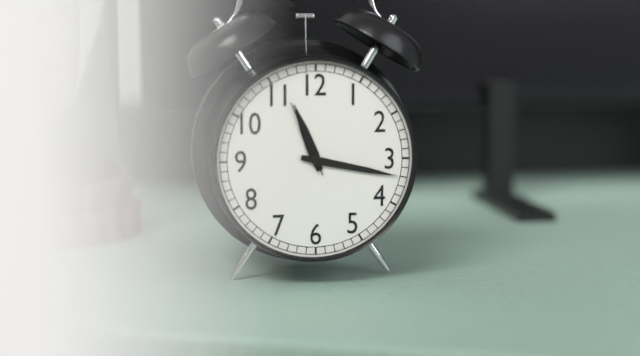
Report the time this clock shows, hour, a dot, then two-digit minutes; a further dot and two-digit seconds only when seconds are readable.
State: 11.17.56
